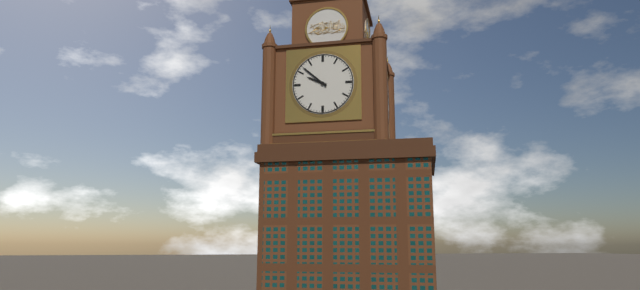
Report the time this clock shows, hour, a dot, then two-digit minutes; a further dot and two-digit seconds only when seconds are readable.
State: 9.52
